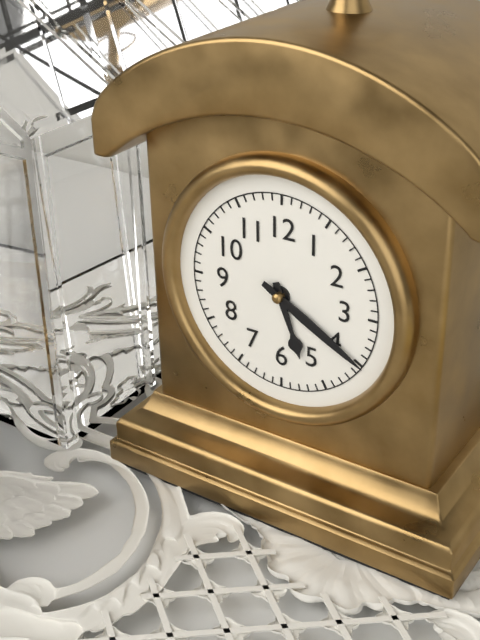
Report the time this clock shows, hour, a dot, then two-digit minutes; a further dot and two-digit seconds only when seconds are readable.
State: 5.20
